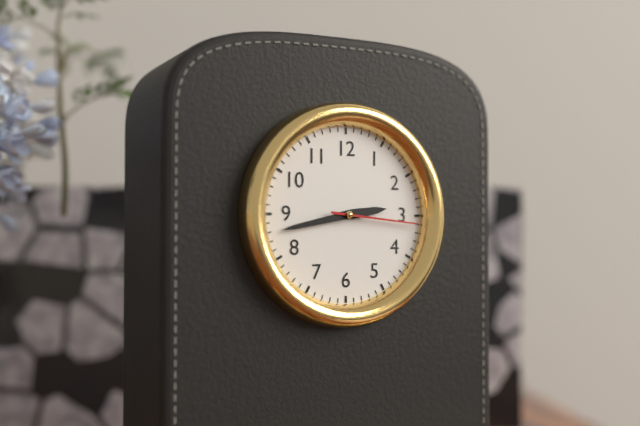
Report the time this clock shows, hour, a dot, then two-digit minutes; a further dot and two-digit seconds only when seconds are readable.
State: 2.43.16
